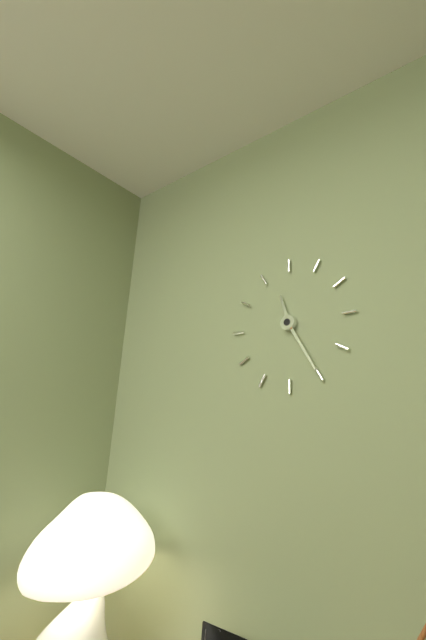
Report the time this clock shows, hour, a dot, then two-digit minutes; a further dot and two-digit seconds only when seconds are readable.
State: 11.25
